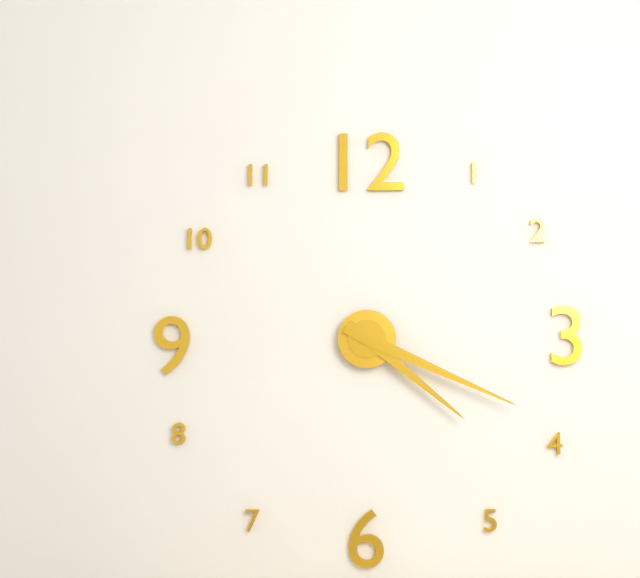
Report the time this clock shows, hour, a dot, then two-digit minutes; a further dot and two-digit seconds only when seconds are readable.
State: 4.19
